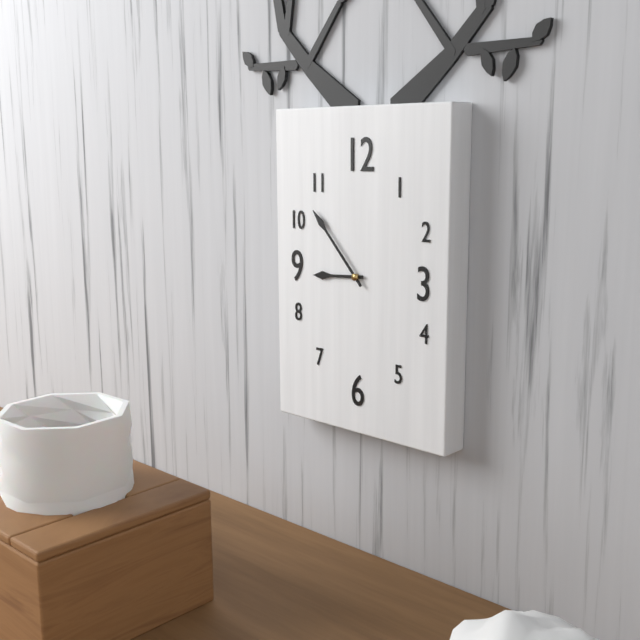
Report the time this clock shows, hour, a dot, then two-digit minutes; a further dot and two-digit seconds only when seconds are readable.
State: 8.53
